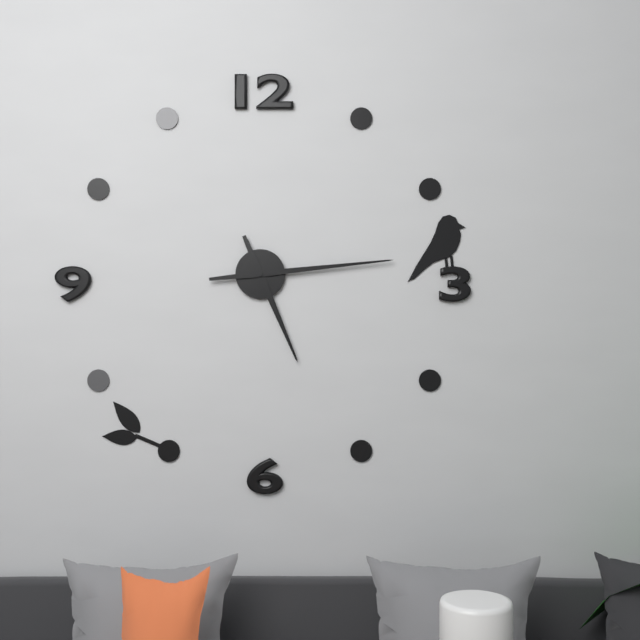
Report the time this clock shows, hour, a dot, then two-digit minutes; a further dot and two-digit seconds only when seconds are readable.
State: 5.14
